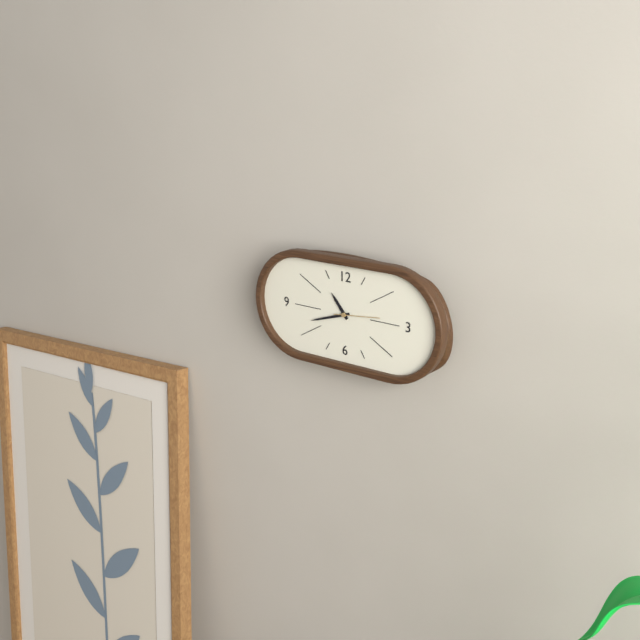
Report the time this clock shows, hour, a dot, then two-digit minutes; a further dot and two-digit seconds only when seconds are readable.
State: 10.42
